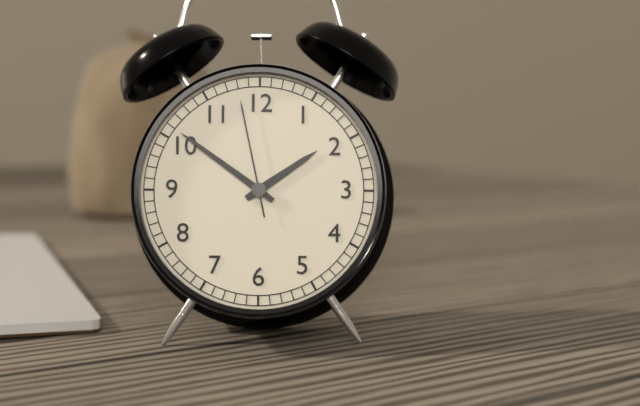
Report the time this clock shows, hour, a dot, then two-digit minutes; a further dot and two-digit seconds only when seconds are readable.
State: 1.51.58
